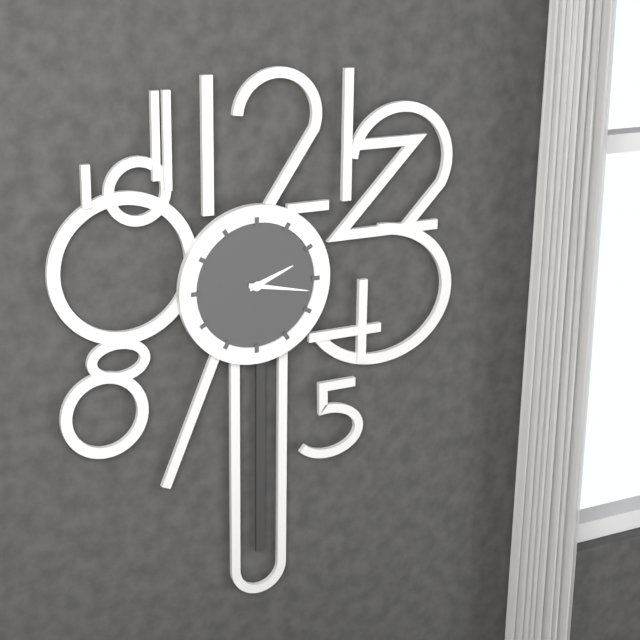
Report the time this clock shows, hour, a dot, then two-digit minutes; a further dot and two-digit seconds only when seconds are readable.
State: 2.17
